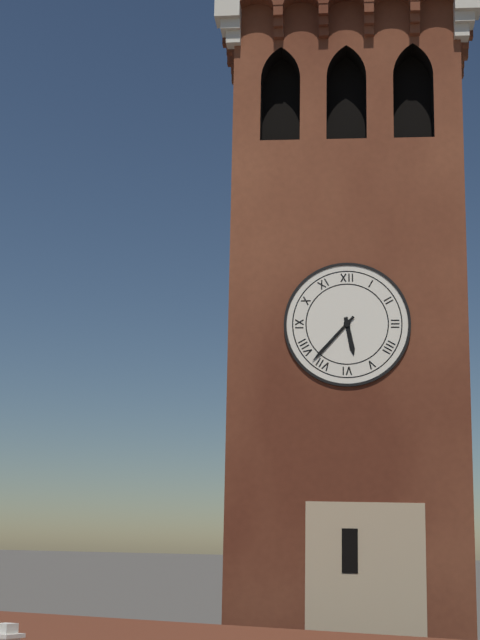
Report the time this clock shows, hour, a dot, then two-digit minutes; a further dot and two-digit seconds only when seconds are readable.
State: 5.37
